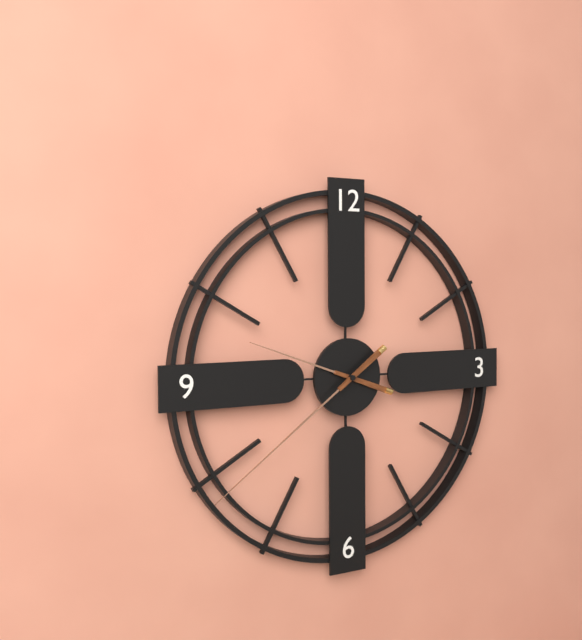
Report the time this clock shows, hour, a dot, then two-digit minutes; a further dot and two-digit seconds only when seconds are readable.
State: 9.39
